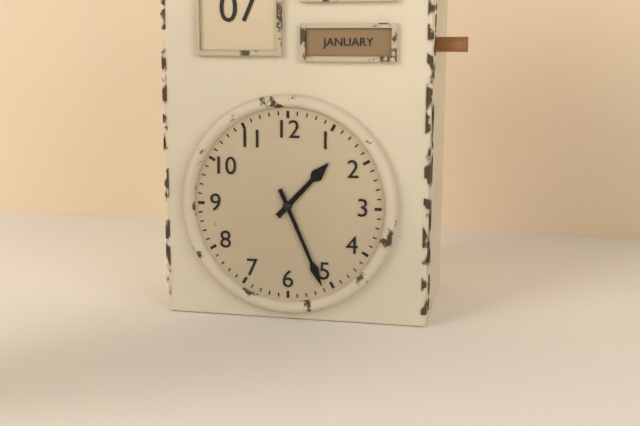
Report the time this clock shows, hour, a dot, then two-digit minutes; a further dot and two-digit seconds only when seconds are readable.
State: 1.26
